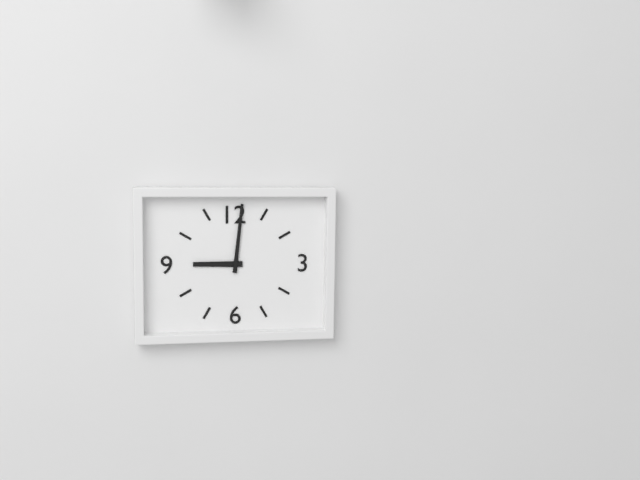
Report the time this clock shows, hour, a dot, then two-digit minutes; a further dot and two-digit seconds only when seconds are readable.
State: 9.01
